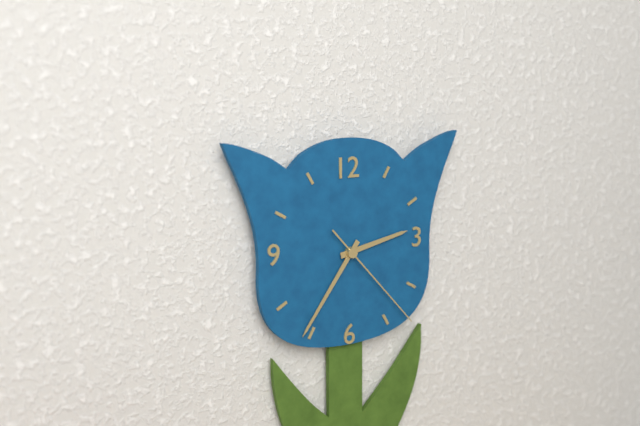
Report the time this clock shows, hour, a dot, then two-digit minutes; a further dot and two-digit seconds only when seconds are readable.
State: 2.36.23
